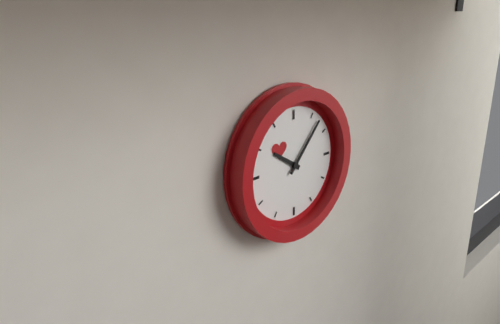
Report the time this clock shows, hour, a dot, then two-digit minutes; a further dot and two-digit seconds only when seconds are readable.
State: 10.07
